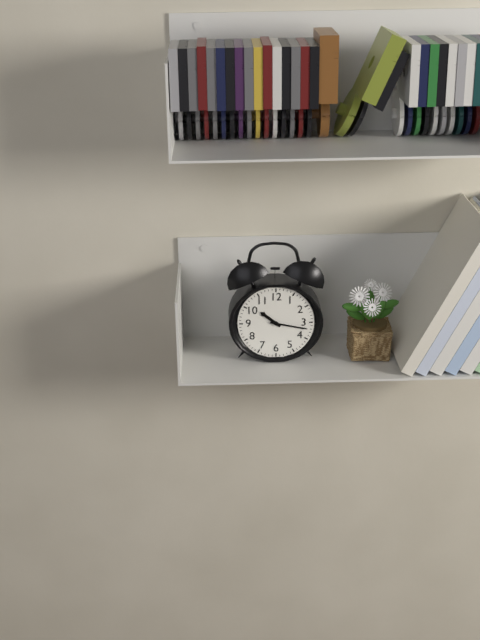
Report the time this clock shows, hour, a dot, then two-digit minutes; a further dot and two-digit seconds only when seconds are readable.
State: 10.17
